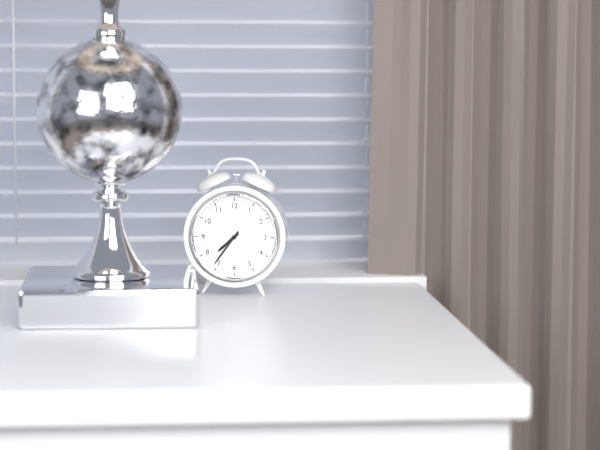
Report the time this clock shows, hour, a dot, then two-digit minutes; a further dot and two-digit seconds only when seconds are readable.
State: 7.36
